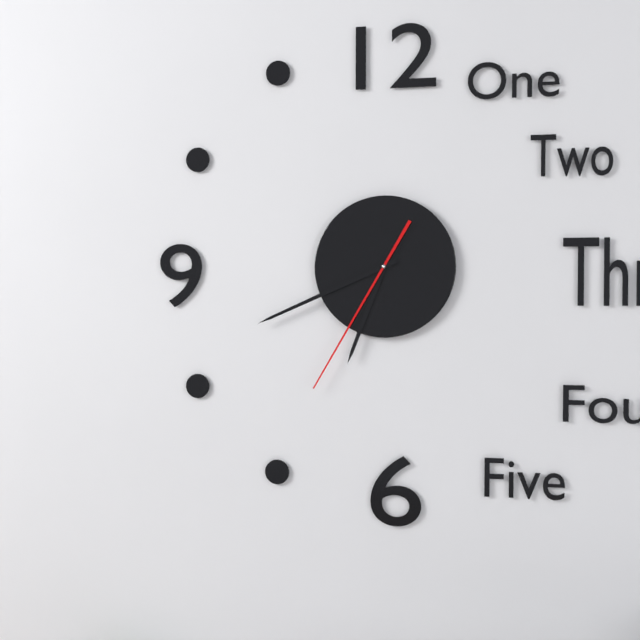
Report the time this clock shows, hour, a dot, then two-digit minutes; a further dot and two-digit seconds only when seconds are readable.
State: 6.41.35
